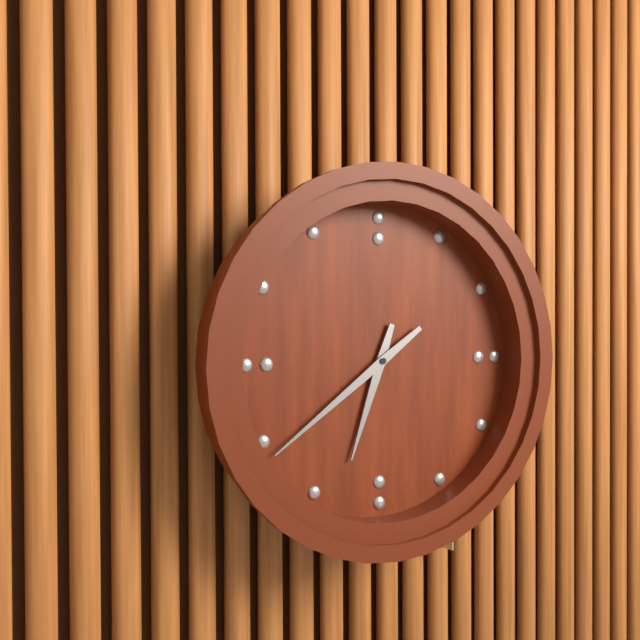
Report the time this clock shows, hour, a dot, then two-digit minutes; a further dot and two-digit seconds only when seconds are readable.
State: 6.39
